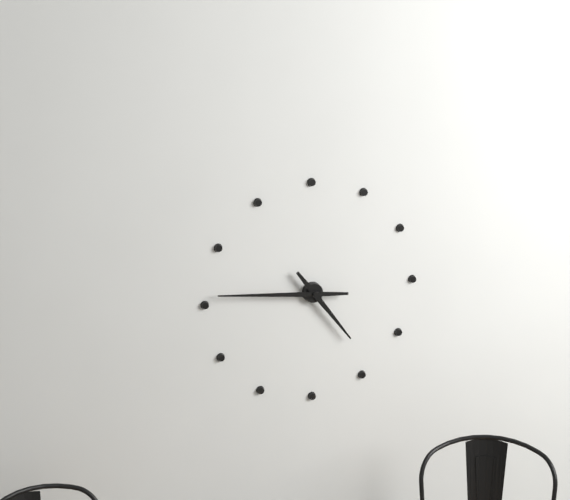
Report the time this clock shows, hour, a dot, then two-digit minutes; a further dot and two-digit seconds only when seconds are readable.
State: 4.46
